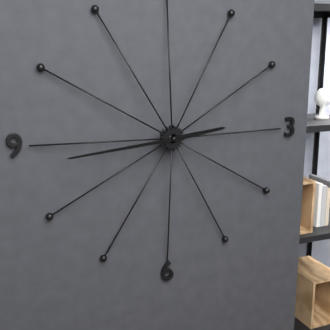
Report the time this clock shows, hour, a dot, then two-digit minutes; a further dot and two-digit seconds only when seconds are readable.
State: 2.44
